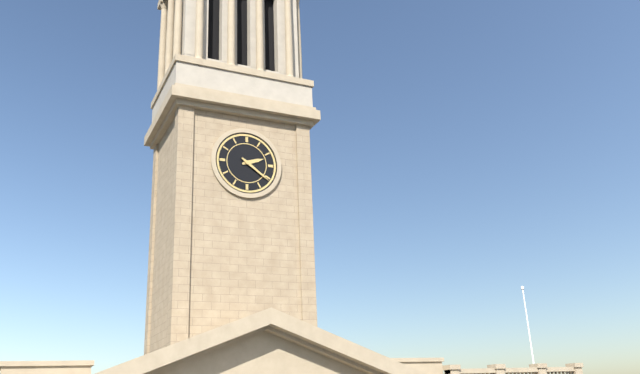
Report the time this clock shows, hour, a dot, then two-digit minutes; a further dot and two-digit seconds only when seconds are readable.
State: 2.21
